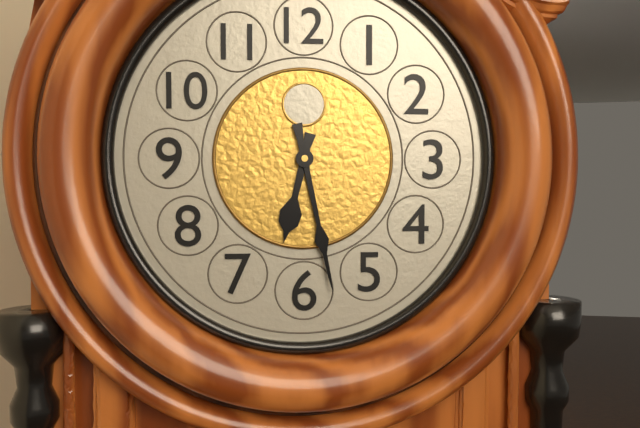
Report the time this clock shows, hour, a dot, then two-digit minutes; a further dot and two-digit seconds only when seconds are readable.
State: 6.28
